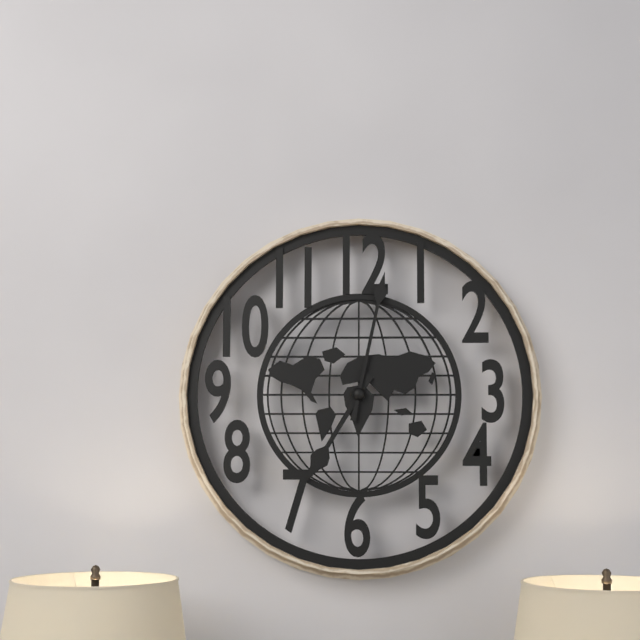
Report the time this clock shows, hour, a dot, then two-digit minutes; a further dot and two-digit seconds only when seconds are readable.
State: 7.02
